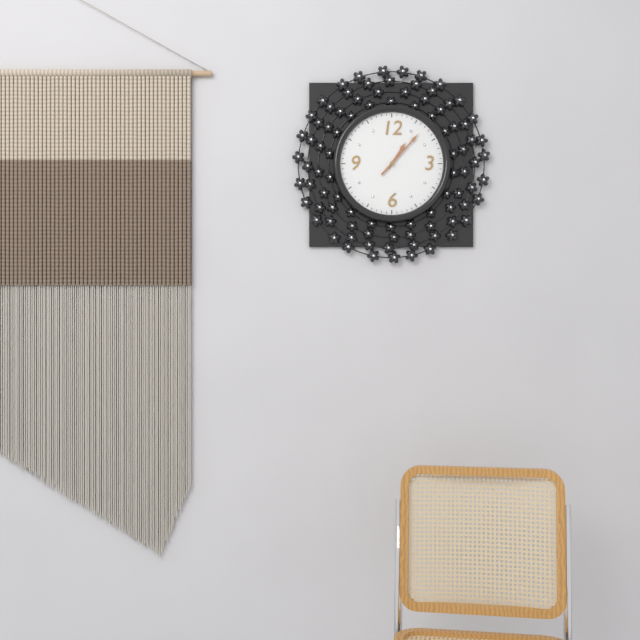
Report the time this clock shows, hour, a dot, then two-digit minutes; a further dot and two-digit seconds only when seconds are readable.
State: 1.07
